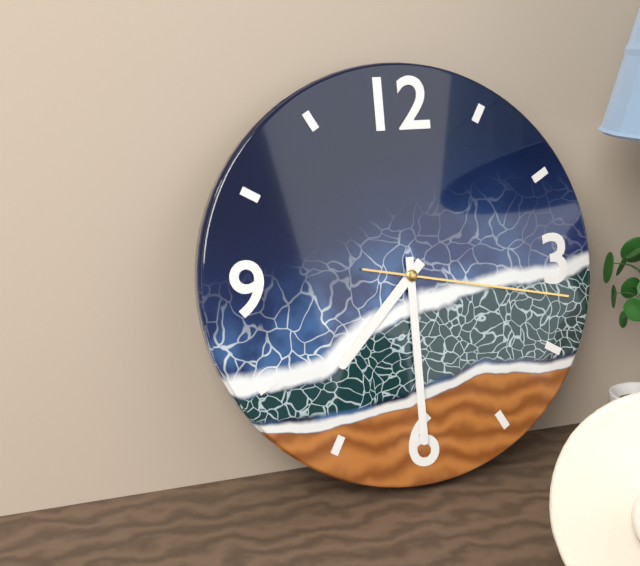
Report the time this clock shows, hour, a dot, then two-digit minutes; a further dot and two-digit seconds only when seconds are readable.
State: 7.30.17
